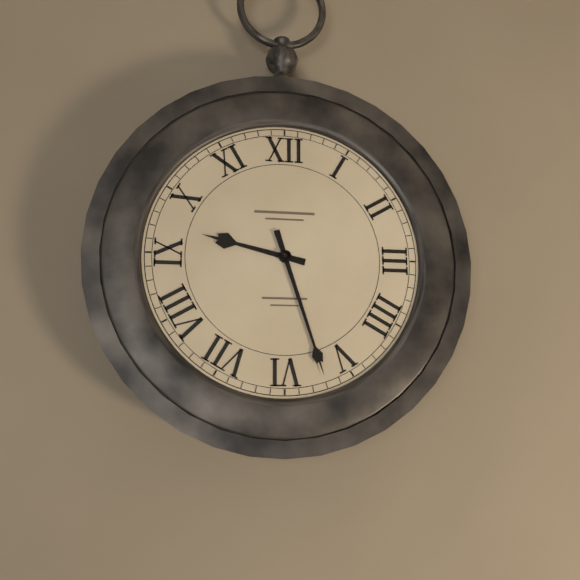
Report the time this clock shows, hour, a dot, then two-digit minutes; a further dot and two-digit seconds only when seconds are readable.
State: 9.27
